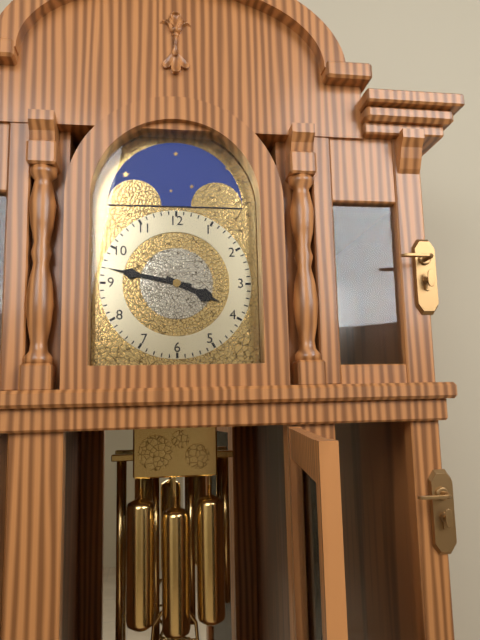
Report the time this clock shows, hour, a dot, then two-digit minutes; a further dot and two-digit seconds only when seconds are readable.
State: 3.47
